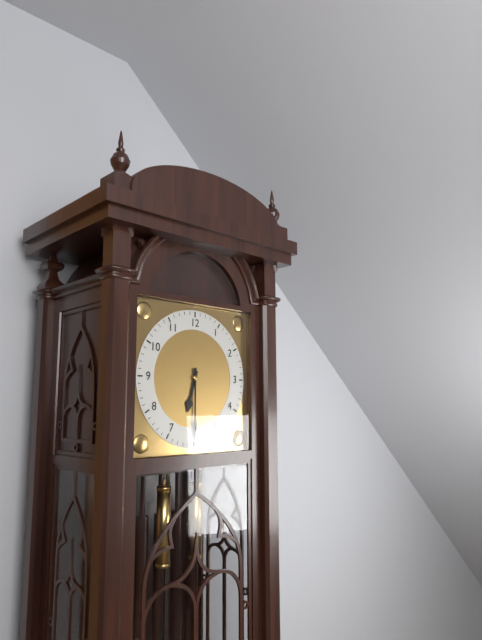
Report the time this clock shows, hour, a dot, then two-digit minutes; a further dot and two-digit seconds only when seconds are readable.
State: 6.30
